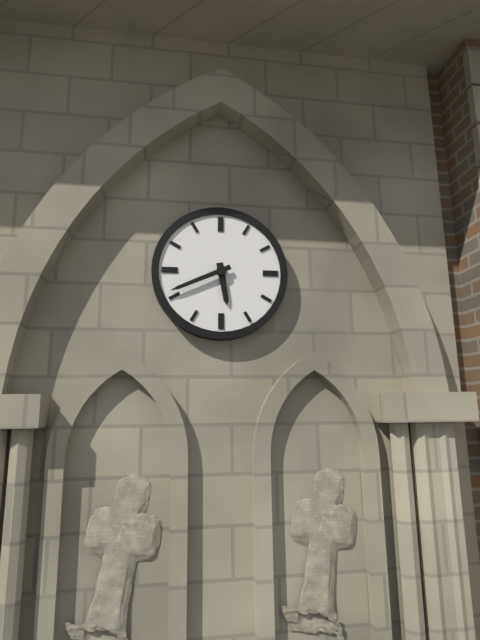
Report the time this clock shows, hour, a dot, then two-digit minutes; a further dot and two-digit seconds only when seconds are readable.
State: 5.41
